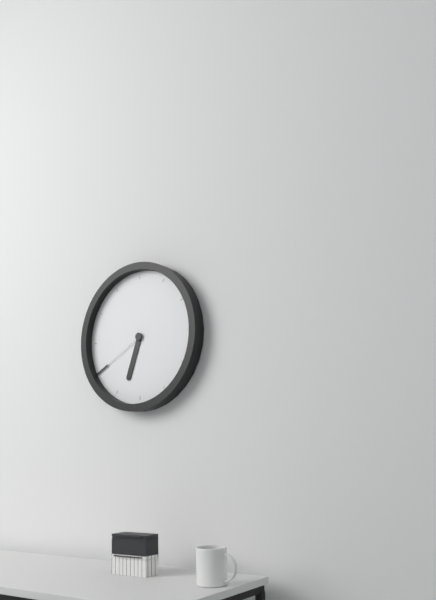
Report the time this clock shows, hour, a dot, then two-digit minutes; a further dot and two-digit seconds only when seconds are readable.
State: 6.40
